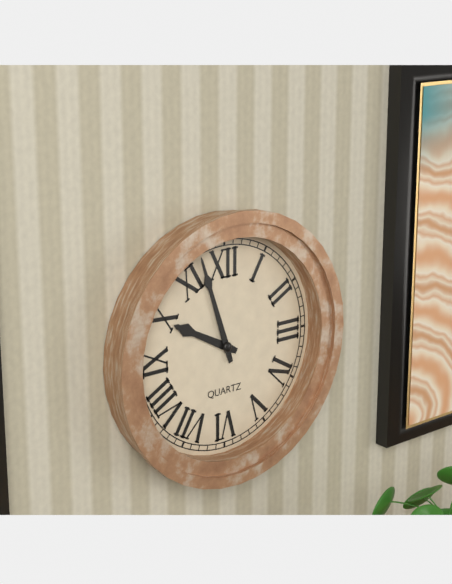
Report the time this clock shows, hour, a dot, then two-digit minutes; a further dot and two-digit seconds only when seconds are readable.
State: 9.57
